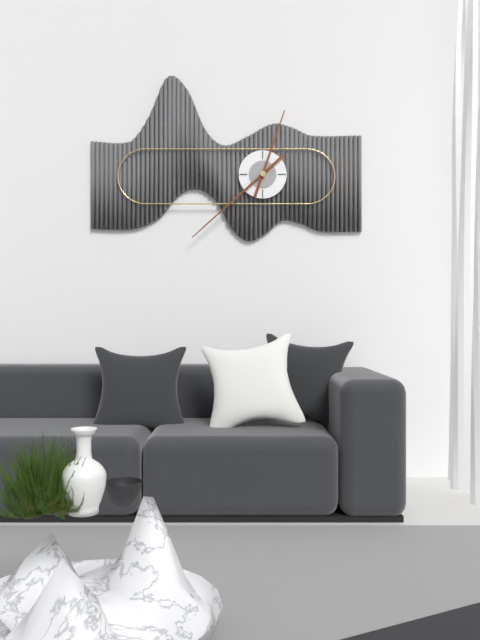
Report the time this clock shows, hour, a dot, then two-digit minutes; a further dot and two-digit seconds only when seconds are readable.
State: 12.38
